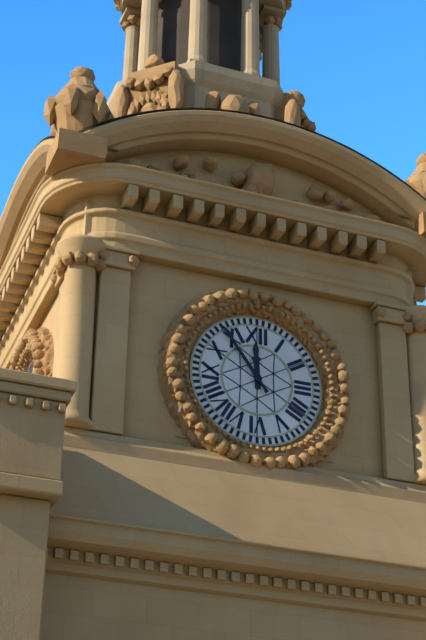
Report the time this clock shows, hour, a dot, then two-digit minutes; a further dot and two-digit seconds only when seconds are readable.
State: 11.54
